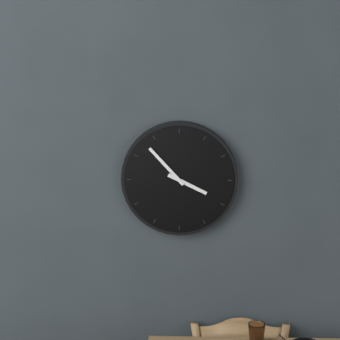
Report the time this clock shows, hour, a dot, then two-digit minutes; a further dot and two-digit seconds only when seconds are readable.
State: 3.53
